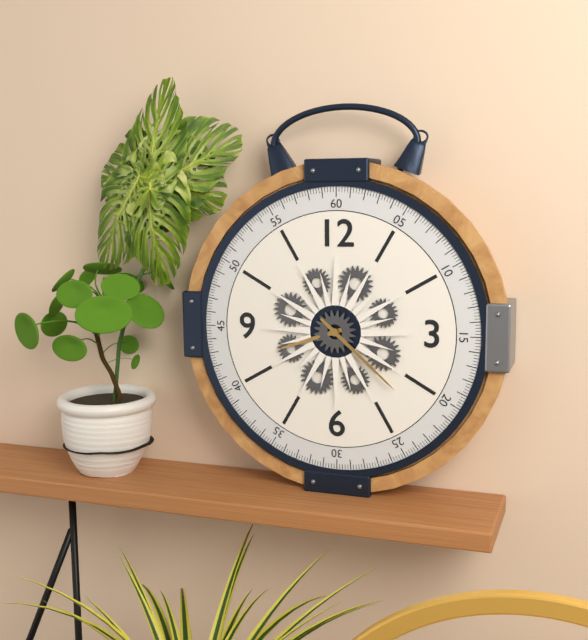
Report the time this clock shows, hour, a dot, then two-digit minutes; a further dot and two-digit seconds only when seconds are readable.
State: 8.22
